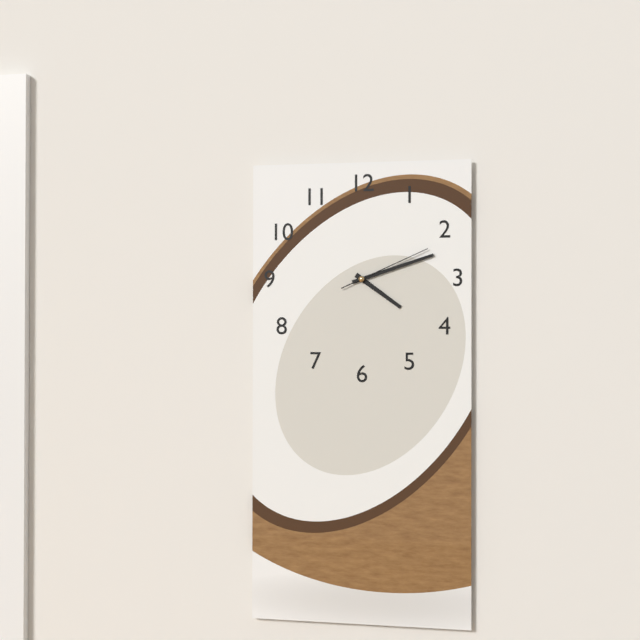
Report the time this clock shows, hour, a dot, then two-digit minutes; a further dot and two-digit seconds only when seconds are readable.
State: 4.12.11
